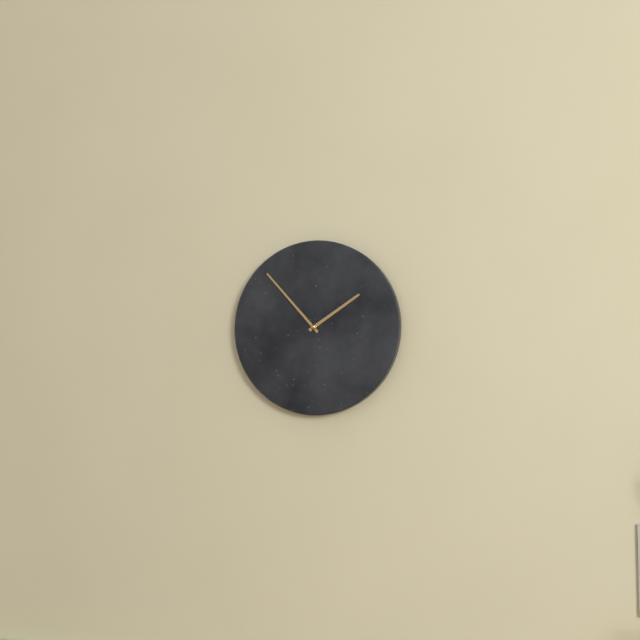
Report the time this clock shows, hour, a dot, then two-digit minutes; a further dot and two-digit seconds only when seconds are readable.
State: 1.53
